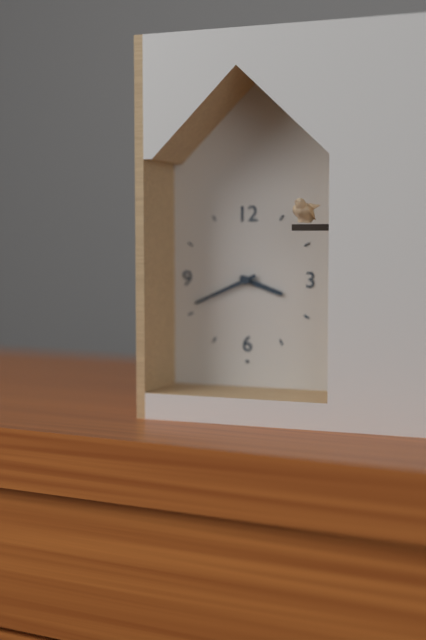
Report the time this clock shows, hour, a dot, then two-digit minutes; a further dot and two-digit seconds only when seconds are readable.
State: 3.41
